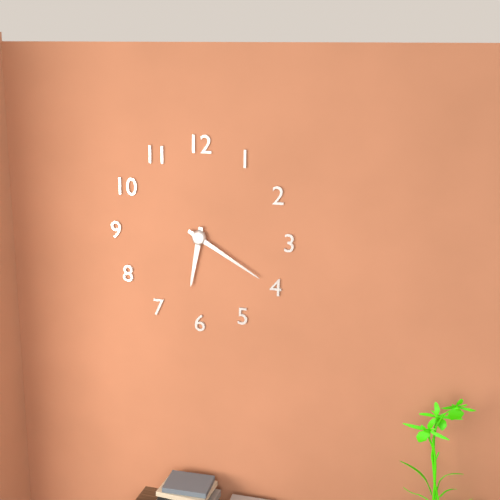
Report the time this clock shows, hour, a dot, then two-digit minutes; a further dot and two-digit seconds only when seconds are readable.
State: 6.20
